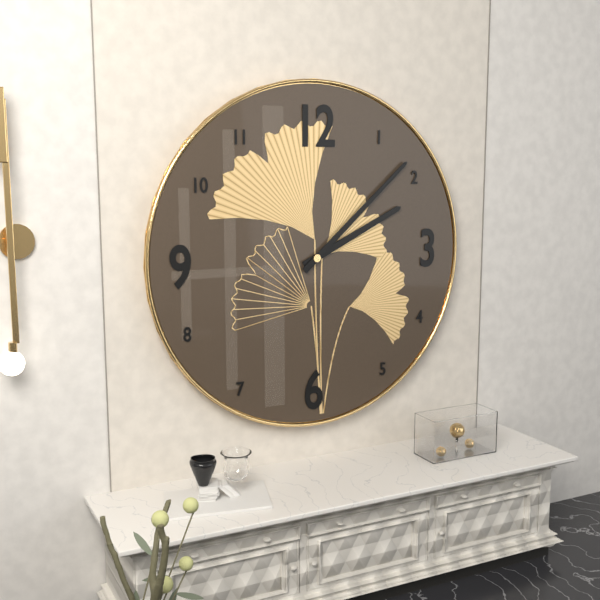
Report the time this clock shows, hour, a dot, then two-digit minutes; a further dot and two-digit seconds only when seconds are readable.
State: 2.08
